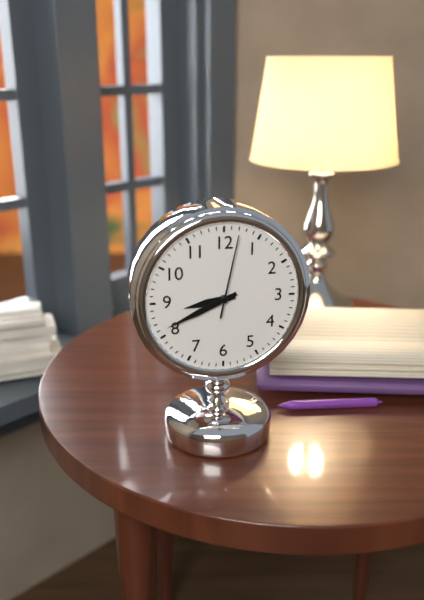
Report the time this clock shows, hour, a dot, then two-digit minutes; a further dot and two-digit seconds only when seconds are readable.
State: 8.41.02
